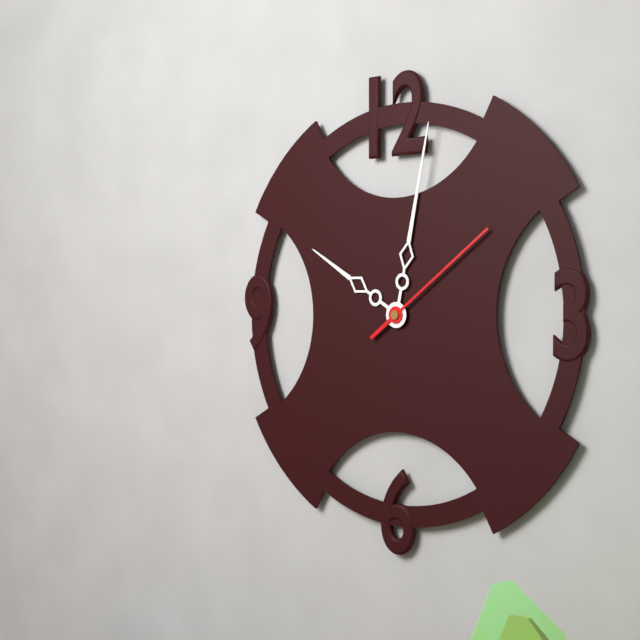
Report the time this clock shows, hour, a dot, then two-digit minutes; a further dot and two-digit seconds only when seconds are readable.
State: 10.02.09
